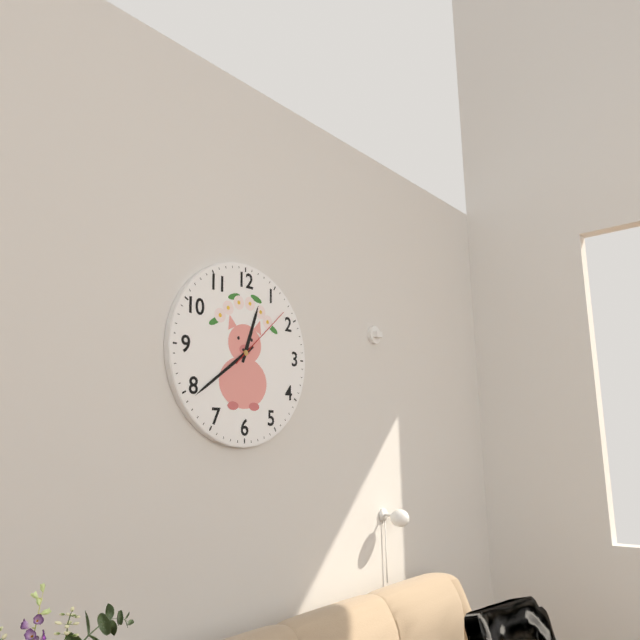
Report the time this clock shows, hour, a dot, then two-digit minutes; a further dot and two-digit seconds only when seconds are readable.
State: 12.39.08
